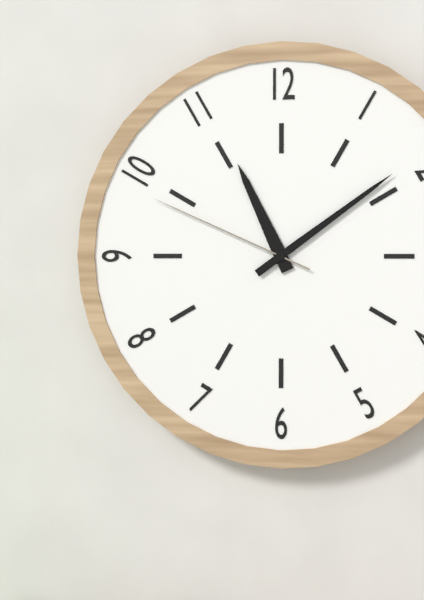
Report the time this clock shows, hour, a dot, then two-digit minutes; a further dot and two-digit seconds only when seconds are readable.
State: 11.09.49
